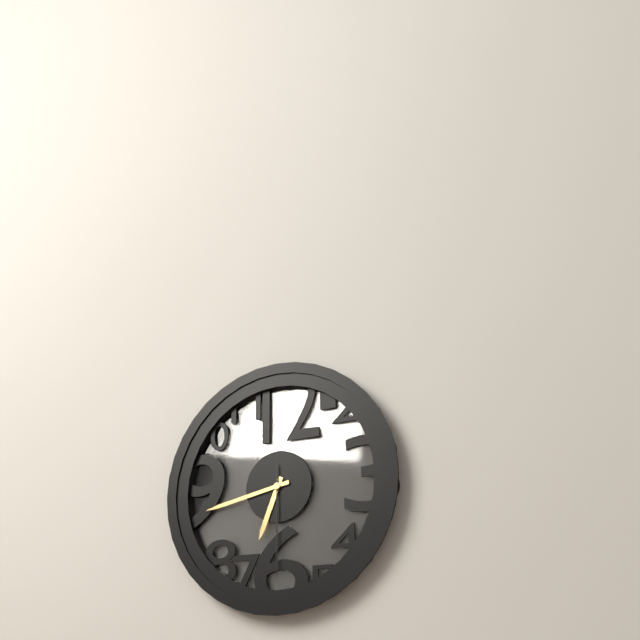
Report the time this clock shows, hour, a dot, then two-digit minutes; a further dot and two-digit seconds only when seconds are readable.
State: 6.43.30
